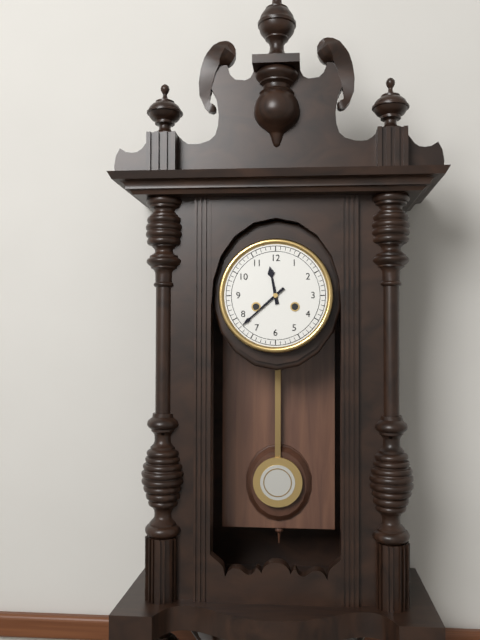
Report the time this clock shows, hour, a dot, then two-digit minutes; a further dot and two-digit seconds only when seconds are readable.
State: 11.38
